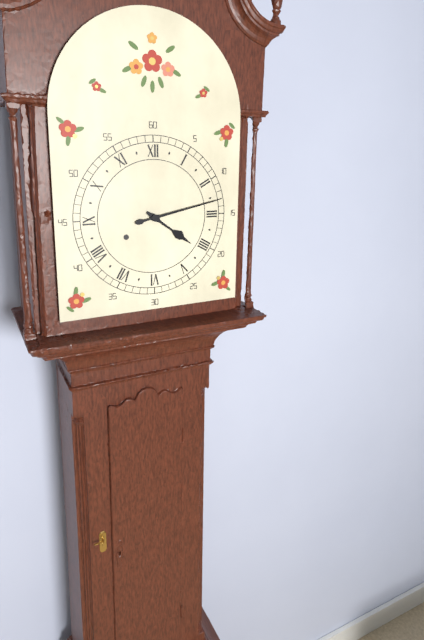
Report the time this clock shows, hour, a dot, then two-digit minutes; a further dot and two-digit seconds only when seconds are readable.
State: 4.13
